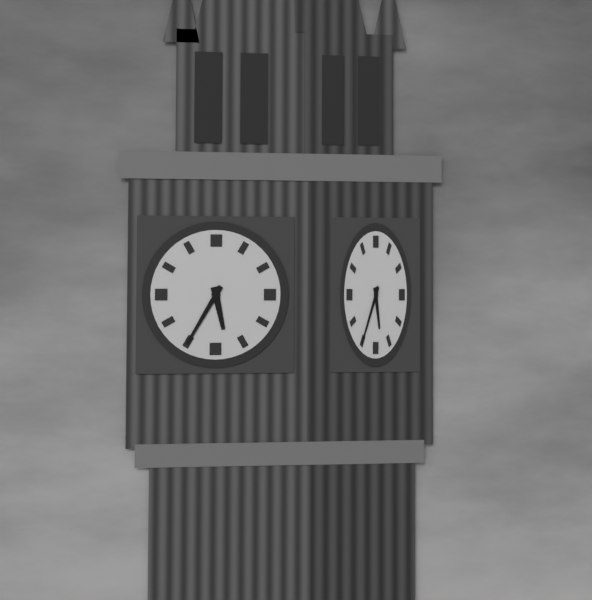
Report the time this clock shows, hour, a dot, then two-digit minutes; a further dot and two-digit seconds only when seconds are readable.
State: 5.35
